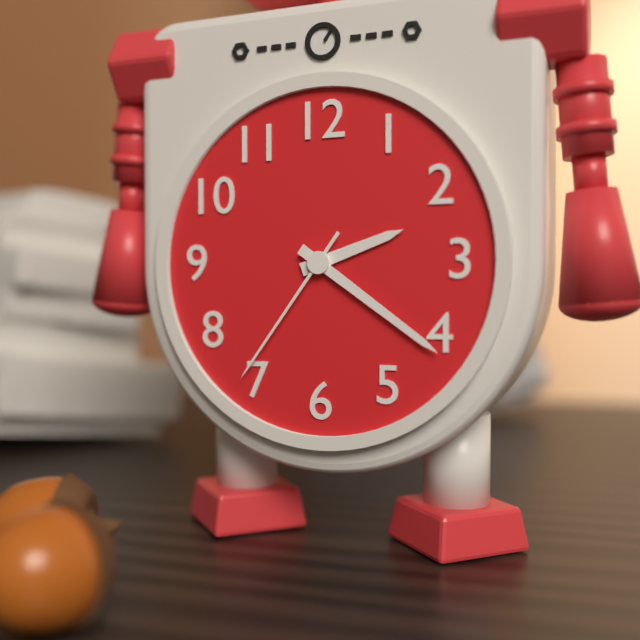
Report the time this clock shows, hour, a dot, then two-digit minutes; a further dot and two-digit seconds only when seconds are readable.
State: 2.21.36
